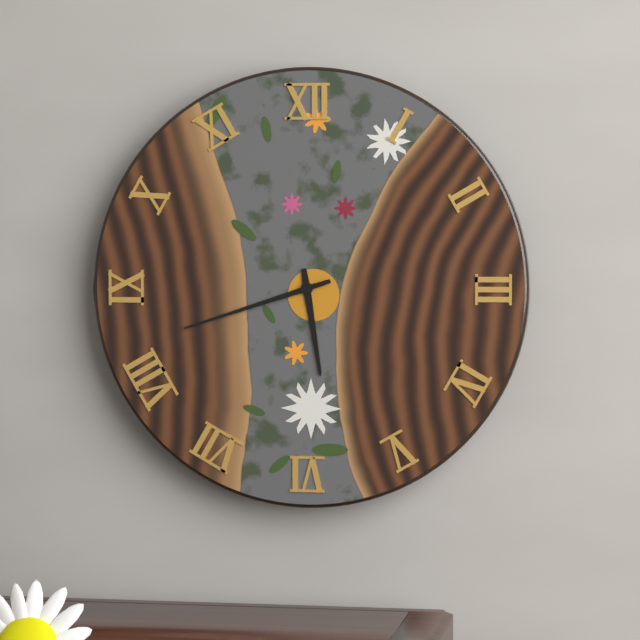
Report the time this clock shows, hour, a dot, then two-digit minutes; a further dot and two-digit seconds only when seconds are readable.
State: 5.42
